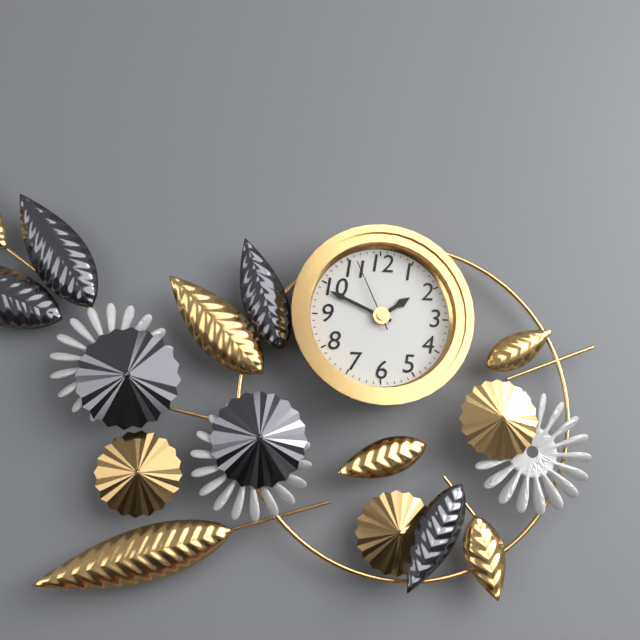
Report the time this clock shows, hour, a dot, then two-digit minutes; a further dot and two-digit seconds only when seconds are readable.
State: 1.49.56
